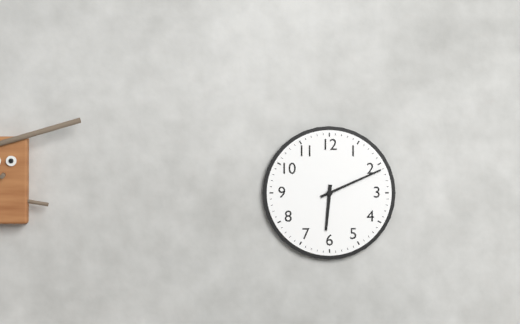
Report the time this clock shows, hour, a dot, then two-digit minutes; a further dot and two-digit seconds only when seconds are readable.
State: 6.11
